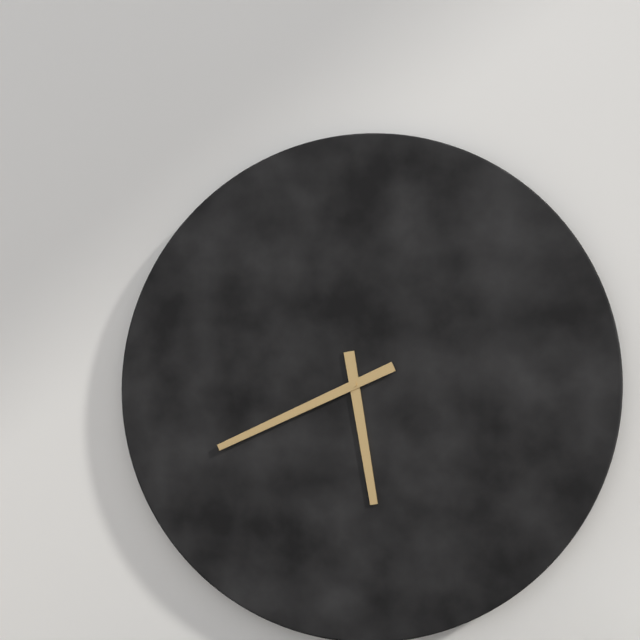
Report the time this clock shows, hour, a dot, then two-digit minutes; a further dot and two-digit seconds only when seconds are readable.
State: 5.41
